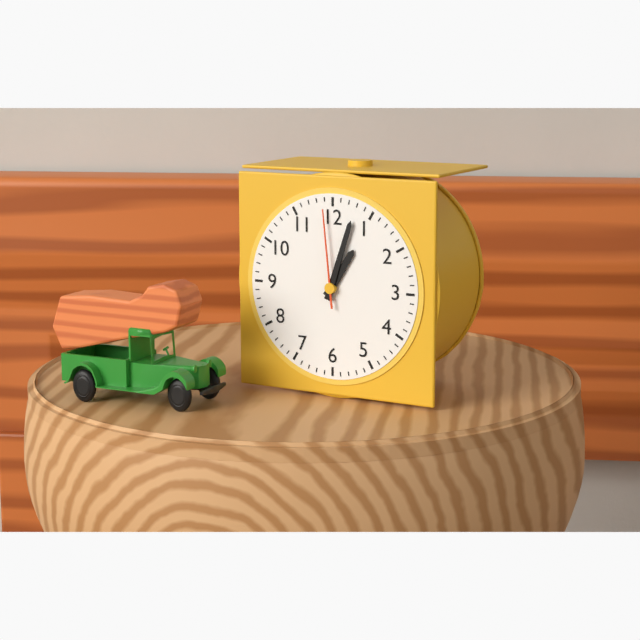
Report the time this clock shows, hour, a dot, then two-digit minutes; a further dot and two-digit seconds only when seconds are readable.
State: 1.03.59
